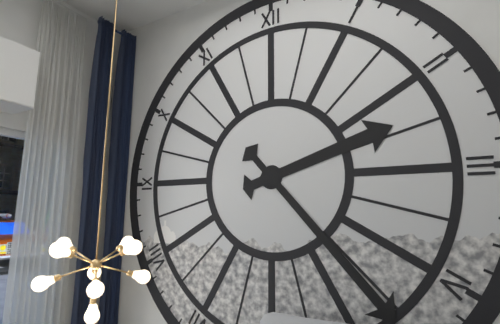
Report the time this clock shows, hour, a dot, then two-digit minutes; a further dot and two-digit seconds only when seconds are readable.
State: 2.23
